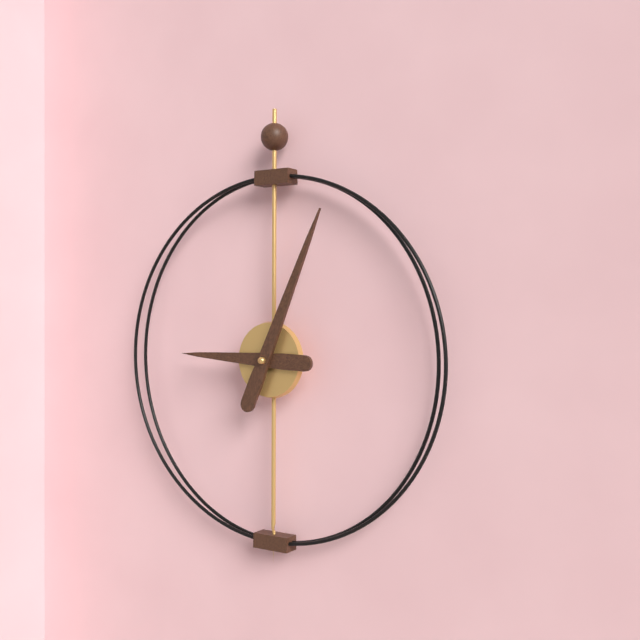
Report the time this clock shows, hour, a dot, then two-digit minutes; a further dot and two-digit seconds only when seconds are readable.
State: 9.04
